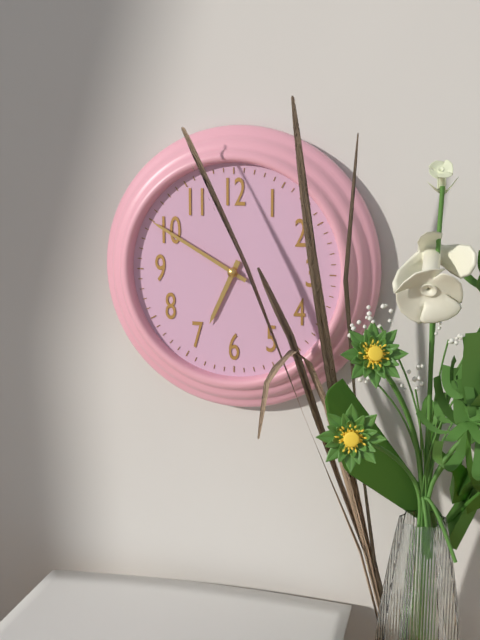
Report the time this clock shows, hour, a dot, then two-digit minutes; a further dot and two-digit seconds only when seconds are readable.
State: 6.50
